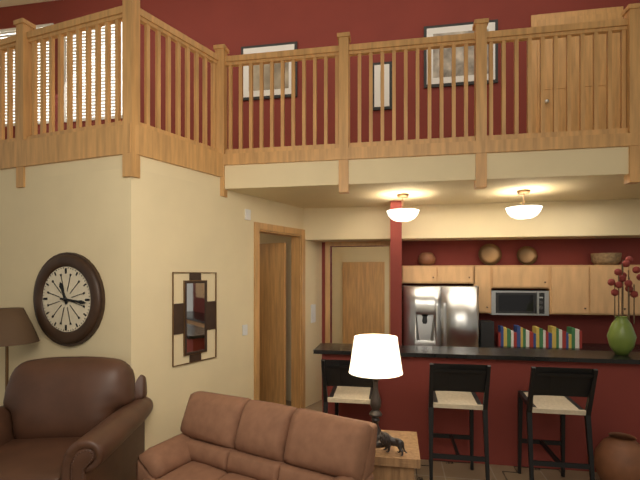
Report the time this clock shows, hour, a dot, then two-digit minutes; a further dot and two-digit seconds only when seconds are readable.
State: 11.16
